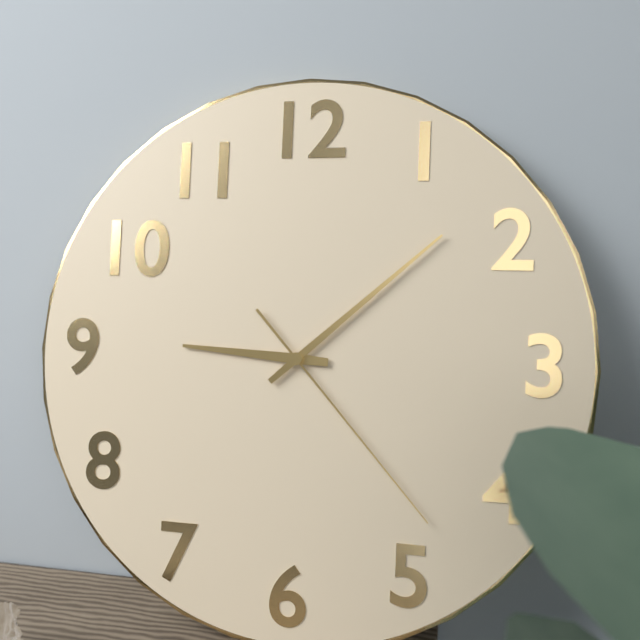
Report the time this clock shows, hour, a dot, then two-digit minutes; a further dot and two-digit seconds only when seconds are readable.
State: 9.08.23
